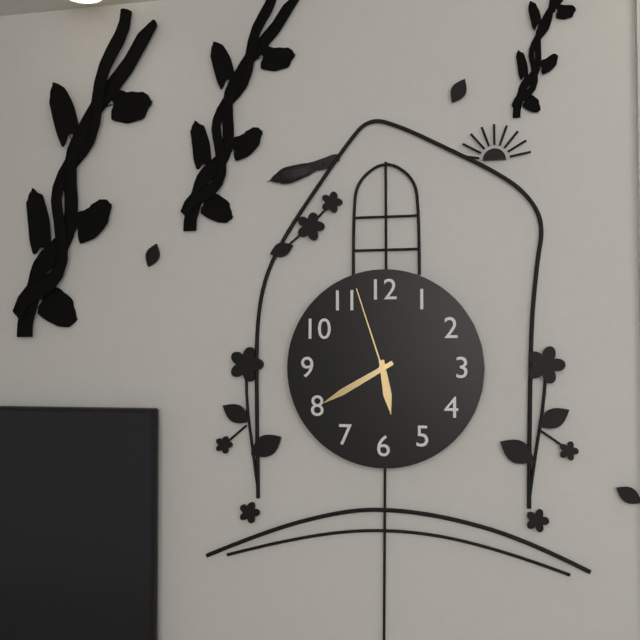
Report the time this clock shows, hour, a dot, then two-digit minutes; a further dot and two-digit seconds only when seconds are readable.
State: 5.40.57
